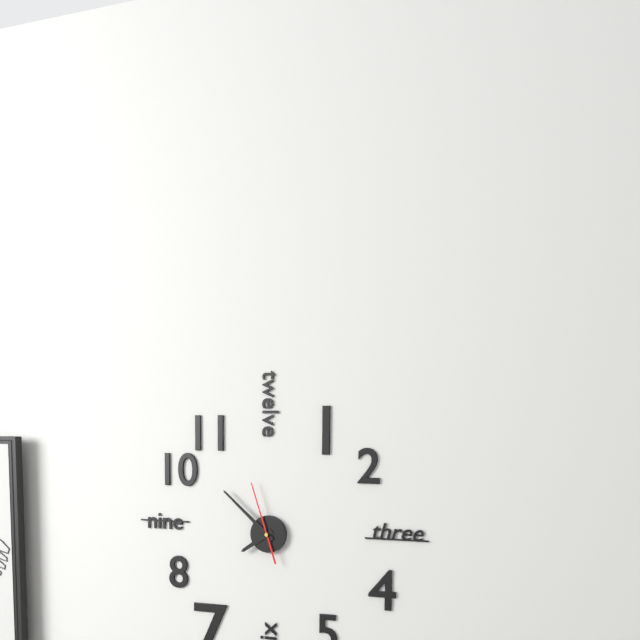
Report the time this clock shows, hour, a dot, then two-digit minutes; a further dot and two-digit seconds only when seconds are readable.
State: 7.52.57
